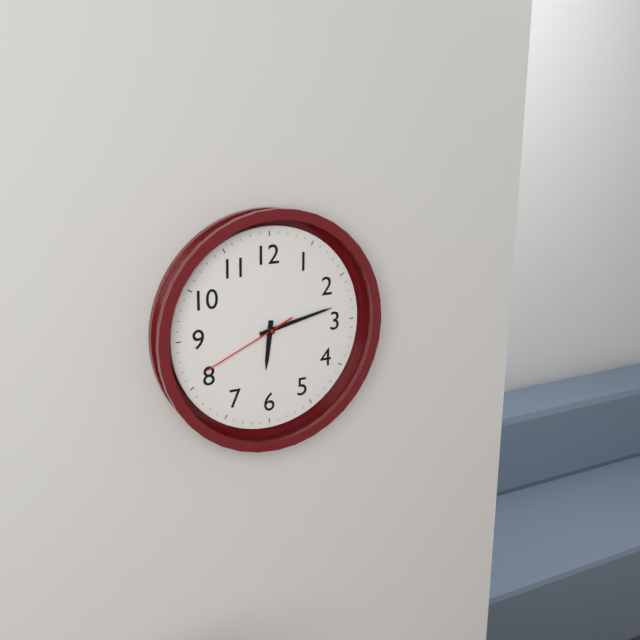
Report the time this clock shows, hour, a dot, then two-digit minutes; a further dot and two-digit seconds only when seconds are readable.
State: 6.13.41
